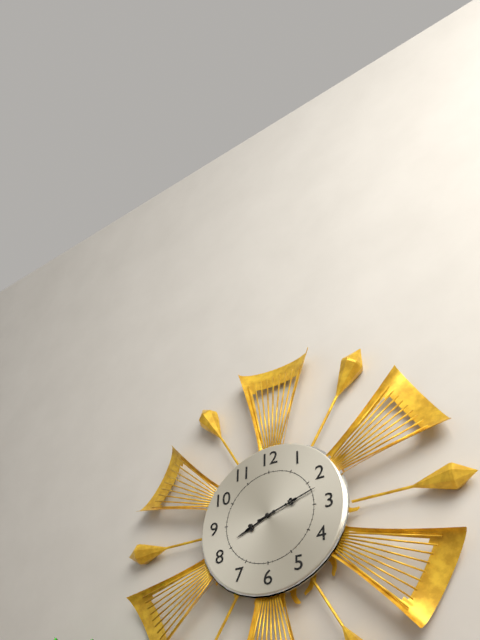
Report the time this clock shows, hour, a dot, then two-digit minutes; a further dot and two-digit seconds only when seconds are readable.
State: 8.12
